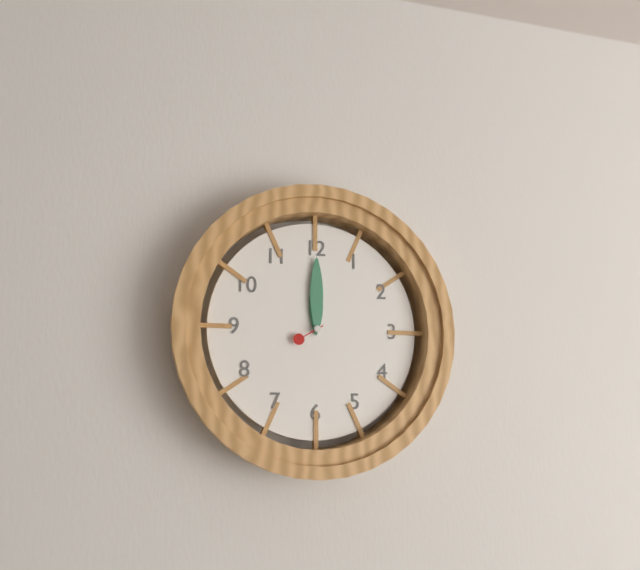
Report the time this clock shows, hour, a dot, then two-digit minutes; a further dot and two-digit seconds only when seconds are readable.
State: 12.00
